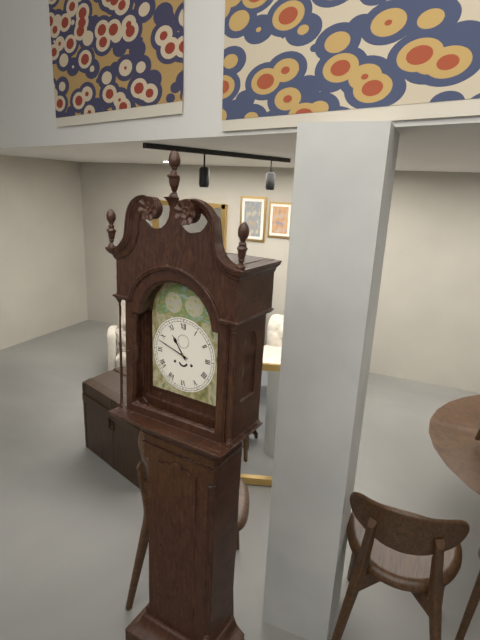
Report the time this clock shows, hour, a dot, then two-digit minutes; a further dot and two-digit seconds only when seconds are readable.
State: 10.48
